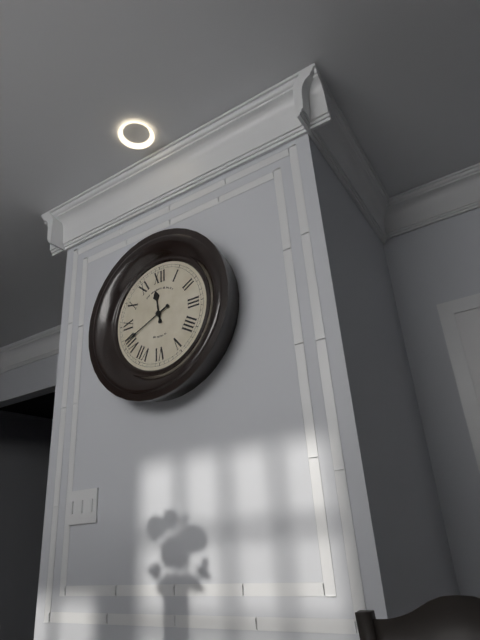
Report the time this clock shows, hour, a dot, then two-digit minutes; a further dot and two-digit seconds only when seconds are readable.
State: 11.41
